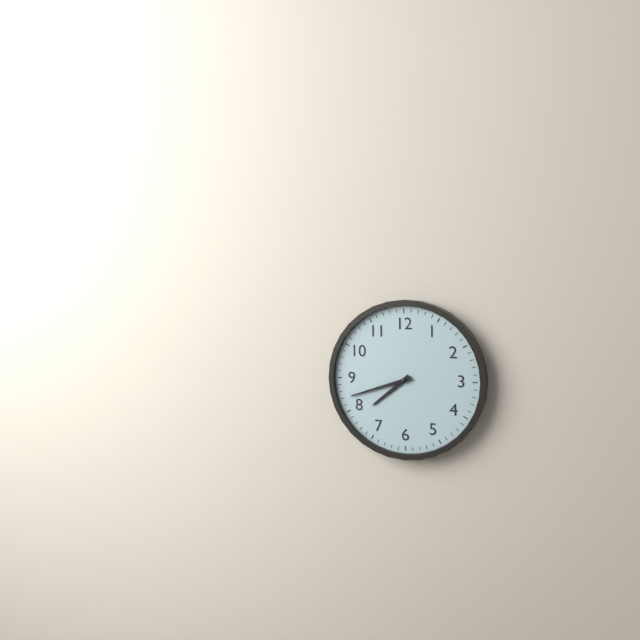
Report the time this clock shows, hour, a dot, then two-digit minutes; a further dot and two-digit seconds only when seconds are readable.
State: 7.42
